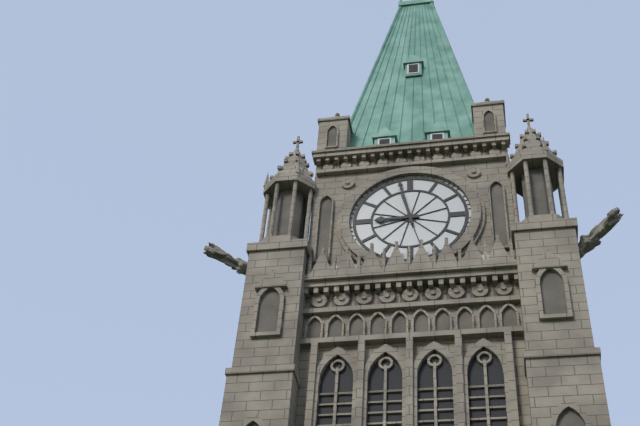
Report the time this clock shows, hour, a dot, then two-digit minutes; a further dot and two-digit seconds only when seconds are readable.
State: 8.58
